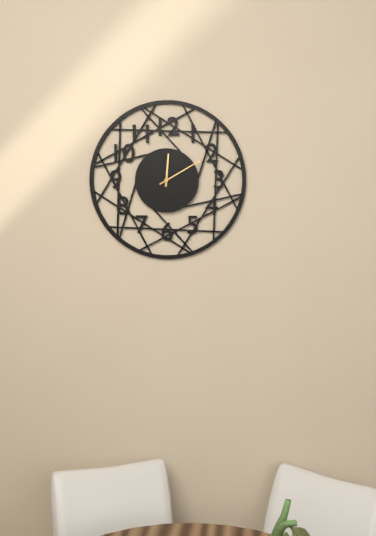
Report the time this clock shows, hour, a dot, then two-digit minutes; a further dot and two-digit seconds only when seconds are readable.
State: 12.10
